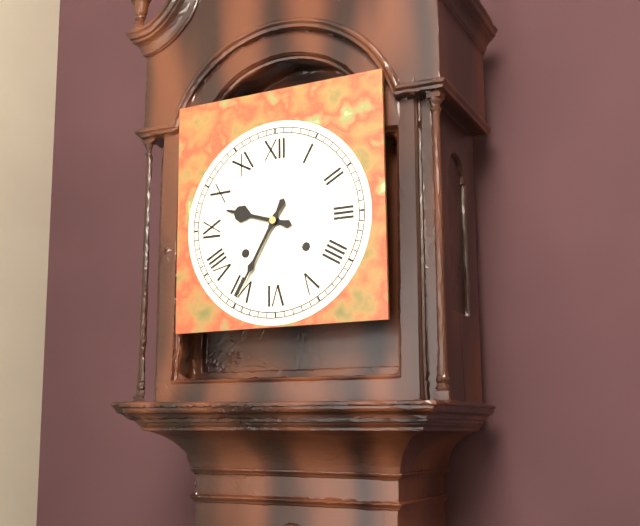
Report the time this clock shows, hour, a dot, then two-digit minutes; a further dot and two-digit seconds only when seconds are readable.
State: 9.35
